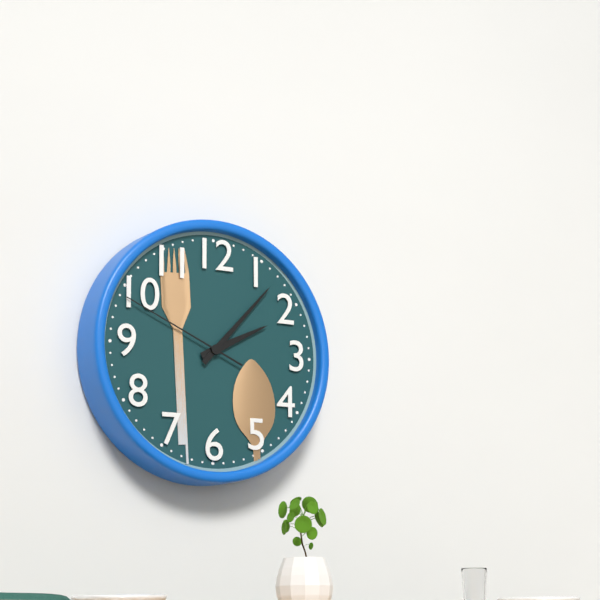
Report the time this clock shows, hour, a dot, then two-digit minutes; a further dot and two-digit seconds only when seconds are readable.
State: 2.07.49
